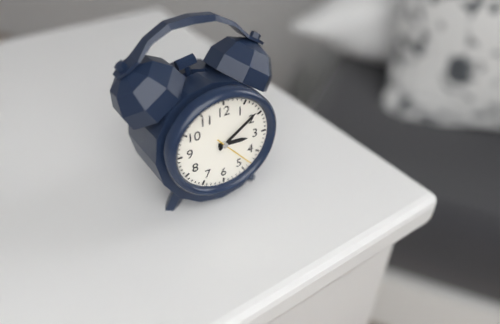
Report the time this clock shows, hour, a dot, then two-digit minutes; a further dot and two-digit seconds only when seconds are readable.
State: 3.09
